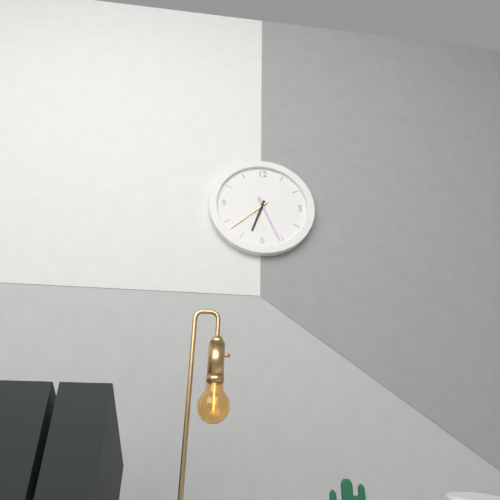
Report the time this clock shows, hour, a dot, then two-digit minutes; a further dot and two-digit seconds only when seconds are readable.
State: 6.38.26
